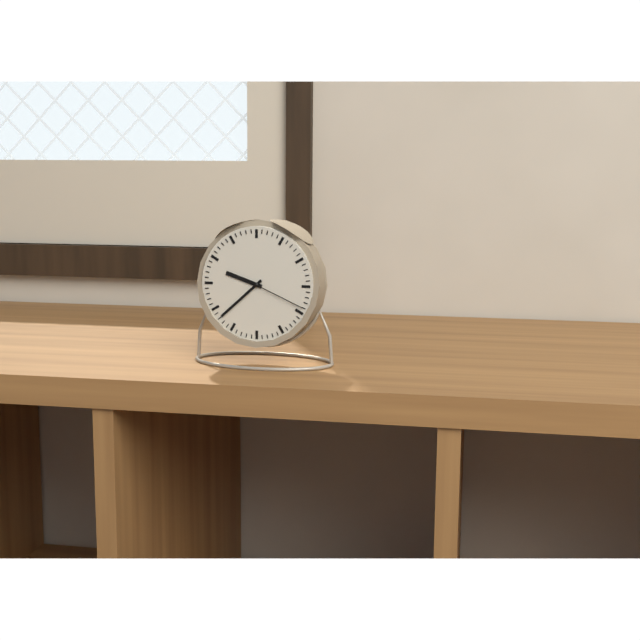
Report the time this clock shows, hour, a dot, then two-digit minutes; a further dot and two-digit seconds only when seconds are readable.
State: 9.38.19
